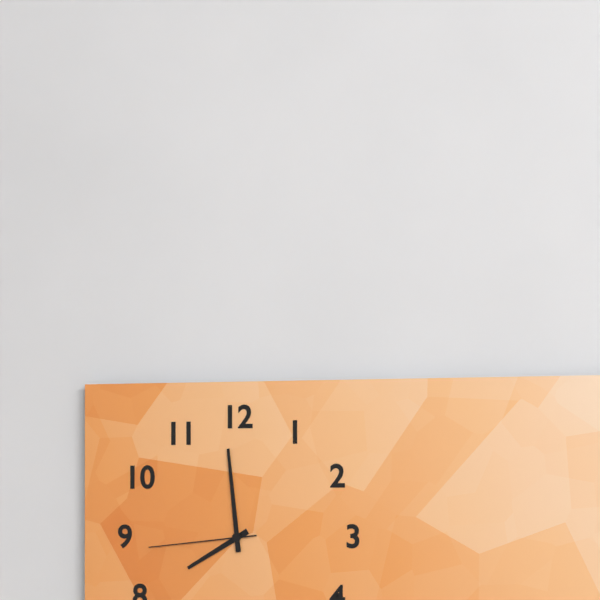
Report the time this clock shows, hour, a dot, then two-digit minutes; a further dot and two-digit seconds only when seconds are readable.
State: 7.59.44
